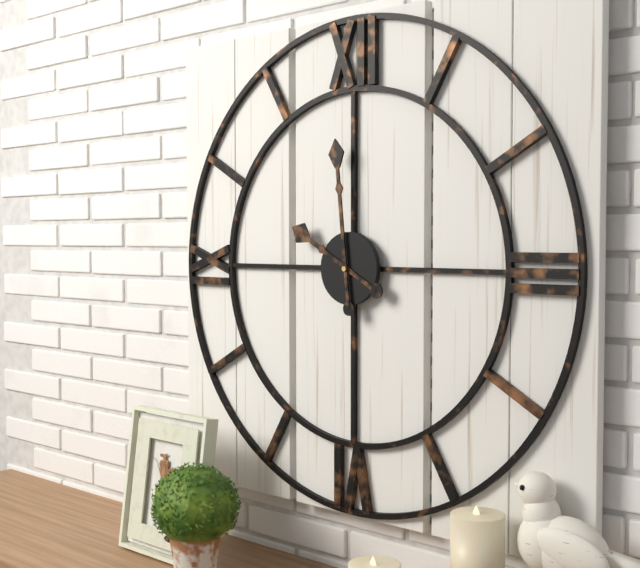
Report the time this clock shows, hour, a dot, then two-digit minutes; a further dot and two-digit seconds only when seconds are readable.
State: 9.59
